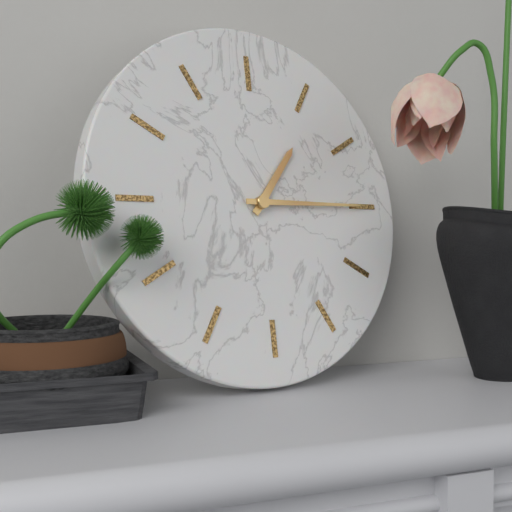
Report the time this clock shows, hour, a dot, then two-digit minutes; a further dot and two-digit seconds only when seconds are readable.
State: 1.15
